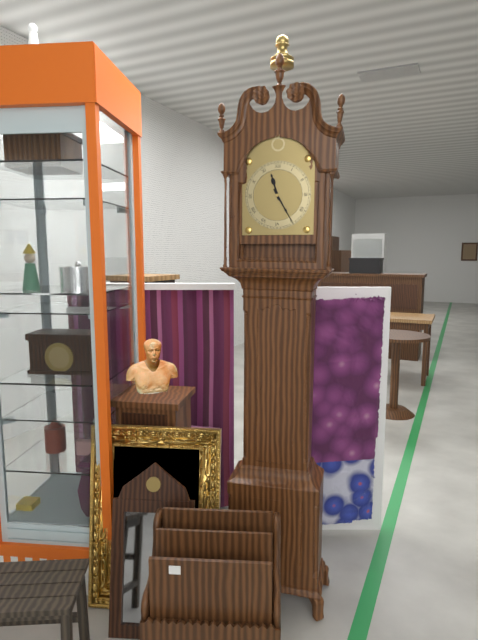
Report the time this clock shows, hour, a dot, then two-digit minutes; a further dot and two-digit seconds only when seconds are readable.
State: 11.25
